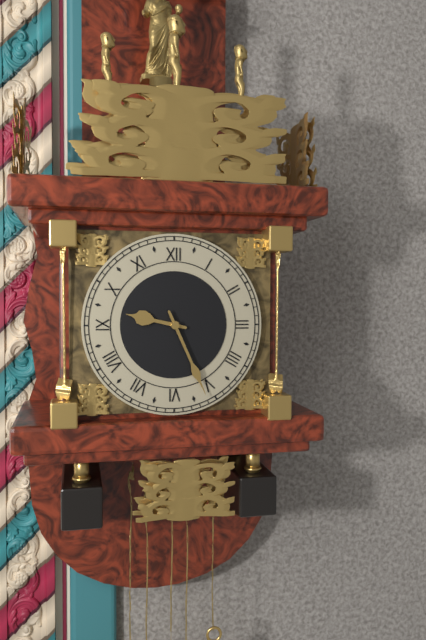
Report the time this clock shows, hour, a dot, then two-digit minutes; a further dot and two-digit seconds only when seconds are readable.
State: 9.26
